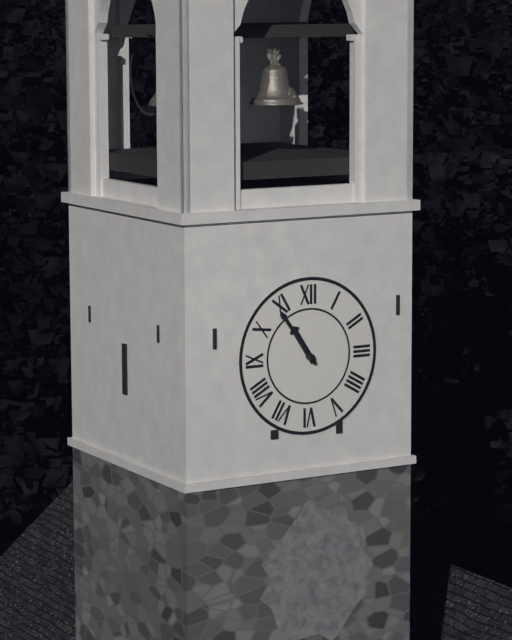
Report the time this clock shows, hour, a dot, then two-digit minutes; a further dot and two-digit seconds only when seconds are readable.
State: 10.54
